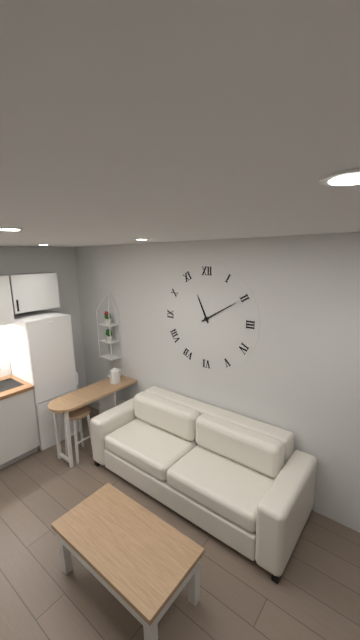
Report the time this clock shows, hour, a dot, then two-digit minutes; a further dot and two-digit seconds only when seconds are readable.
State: 11.10
